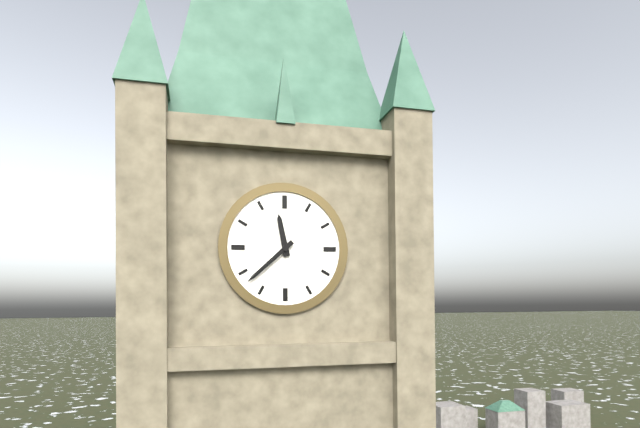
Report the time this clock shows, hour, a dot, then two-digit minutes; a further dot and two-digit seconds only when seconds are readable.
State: 11.38
